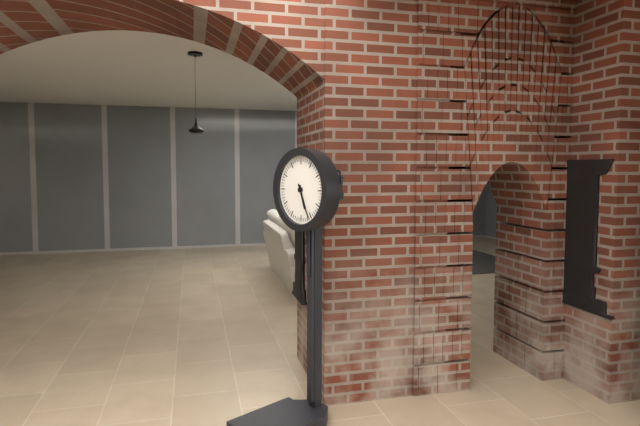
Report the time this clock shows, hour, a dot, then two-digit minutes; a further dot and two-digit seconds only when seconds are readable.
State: 5.26
